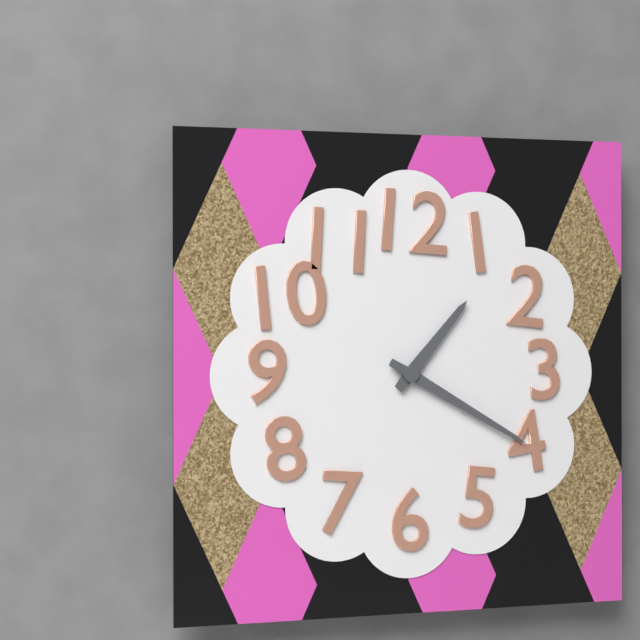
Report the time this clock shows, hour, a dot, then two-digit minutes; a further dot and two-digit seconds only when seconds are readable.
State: 1.20
